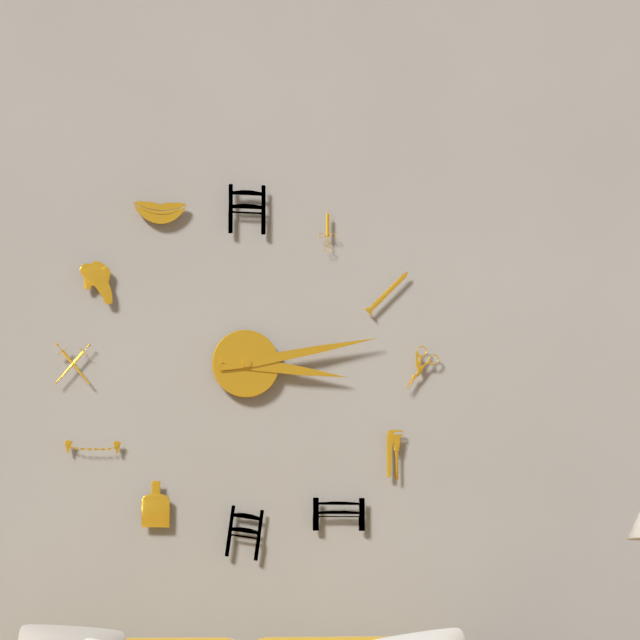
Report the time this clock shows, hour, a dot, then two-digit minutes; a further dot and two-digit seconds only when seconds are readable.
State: 3.13
